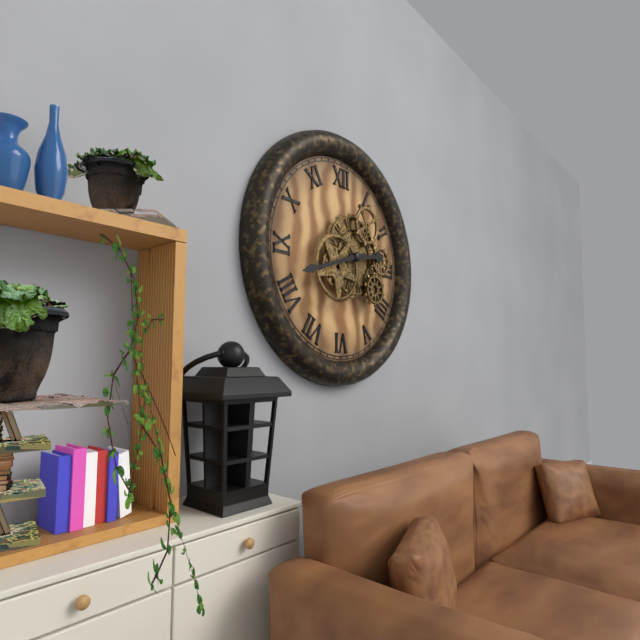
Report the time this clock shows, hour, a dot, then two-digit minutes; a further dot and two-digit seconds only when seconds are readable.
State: 2.42
